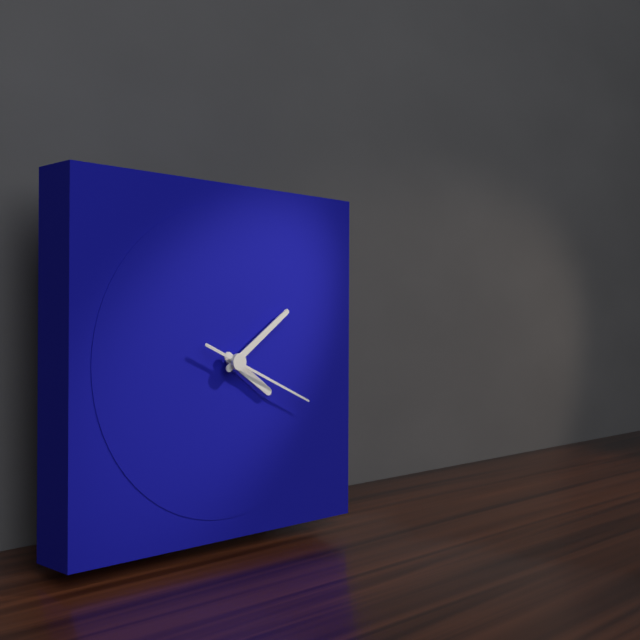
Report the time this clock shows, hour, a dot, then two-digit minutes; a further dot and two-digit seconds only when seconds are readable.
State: 4.09.19
